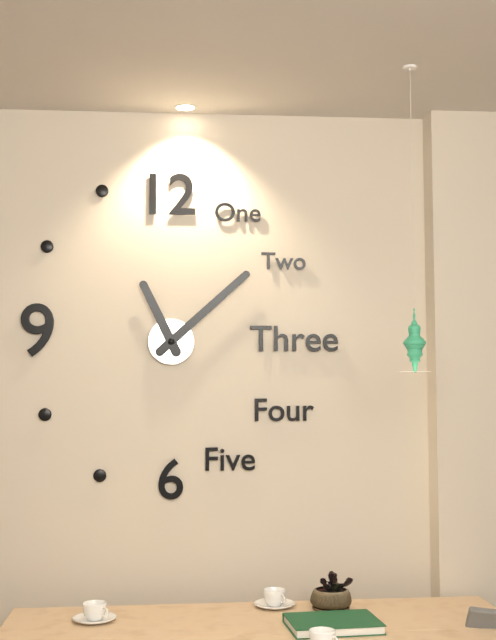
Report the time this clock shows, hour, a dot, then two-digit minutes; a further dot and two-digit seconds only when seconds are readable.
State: 11.08
